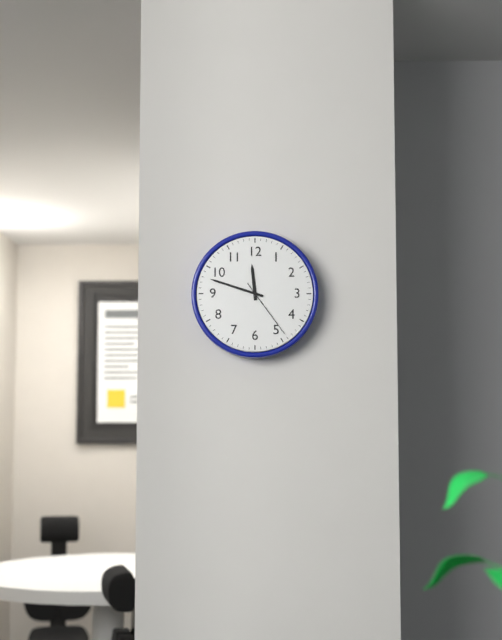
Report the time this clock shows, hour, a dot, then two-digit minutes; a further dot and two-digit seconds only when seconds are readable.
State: 11.48.24
